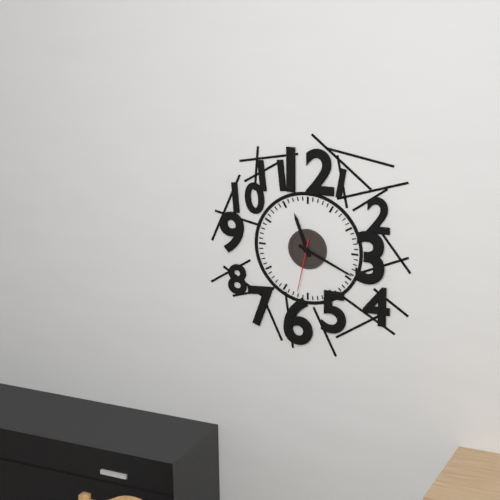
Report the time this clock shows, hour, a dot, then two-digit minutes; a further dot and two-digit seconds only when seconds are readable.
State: 11.19.32
